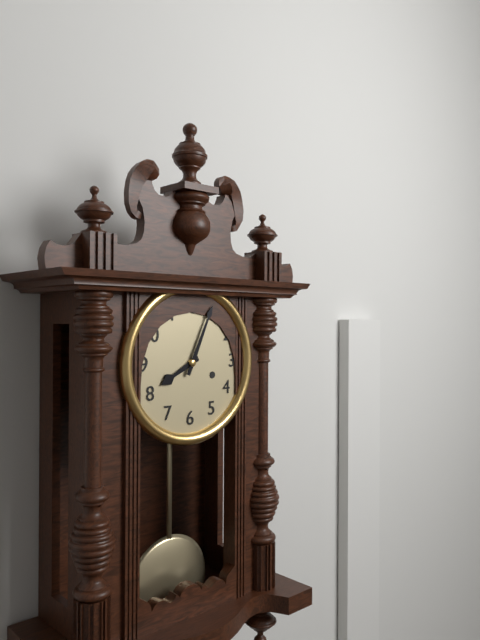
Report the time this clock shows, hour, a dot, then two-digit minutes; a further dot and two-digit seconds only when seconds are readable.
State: 8.04
